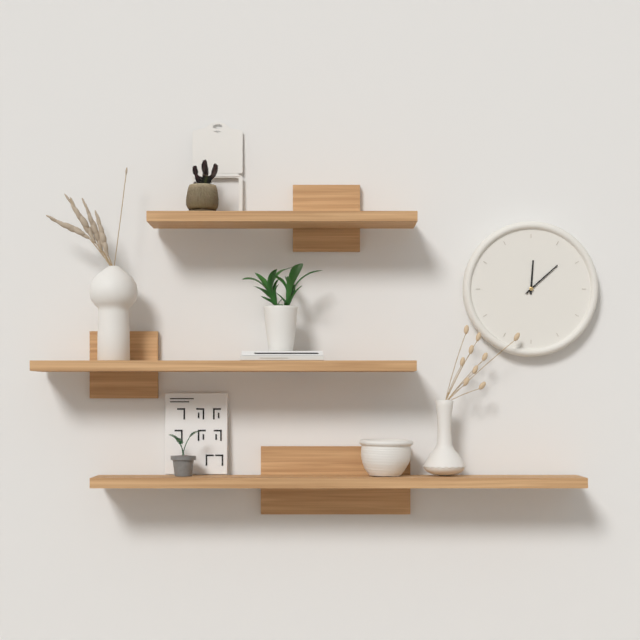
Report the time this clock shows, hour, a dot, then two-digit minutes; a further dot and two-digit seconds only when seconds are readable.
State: 12.08
